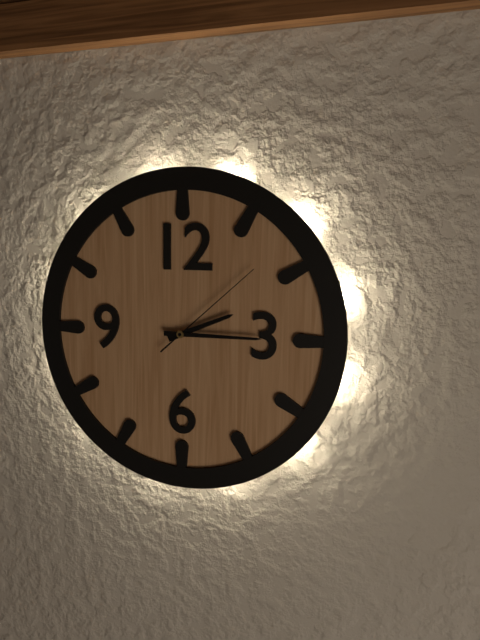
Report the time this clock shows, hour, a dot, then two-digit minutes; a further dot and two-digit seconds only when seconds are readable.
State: 2.15.08
